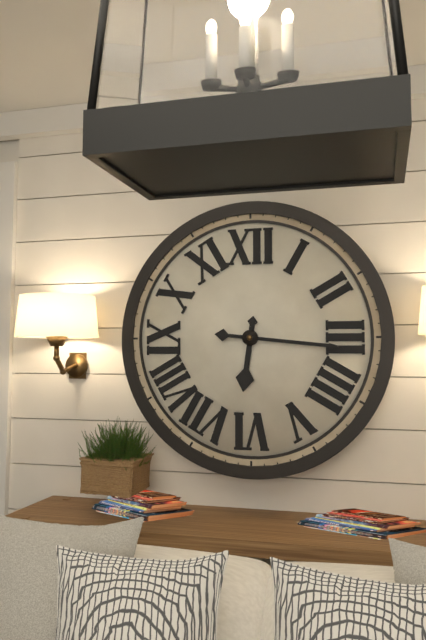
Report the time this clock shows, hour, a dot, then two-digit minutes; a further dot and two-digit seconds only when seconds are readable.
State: 6.16
